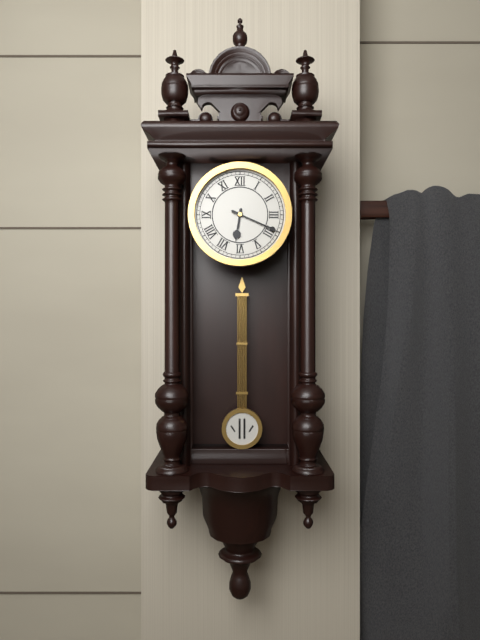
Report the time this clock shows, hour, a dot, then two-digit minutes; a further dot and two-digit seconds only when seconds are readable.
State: 6.19
